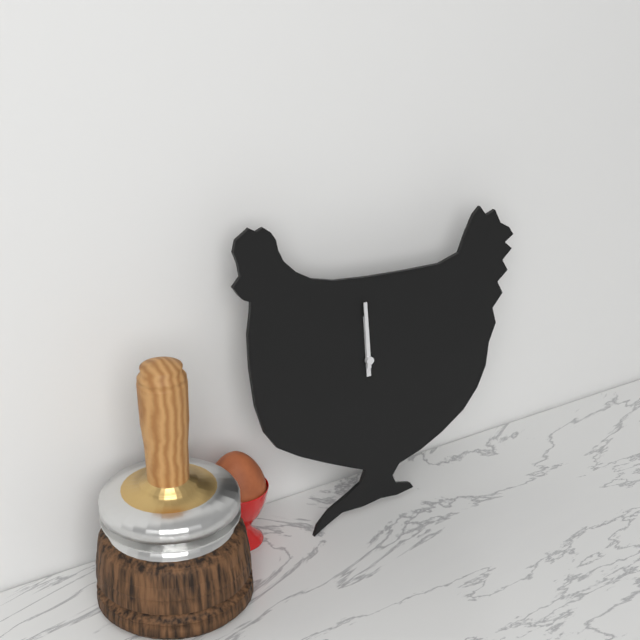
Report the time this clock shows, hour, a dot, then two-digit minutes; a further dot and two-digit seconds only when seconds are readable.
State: 12.00
